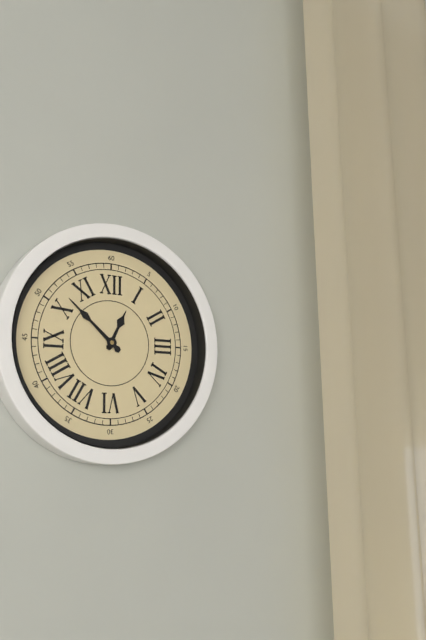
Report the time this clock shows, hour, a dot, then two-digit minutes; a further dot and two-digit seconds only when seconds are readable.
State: 12.52
